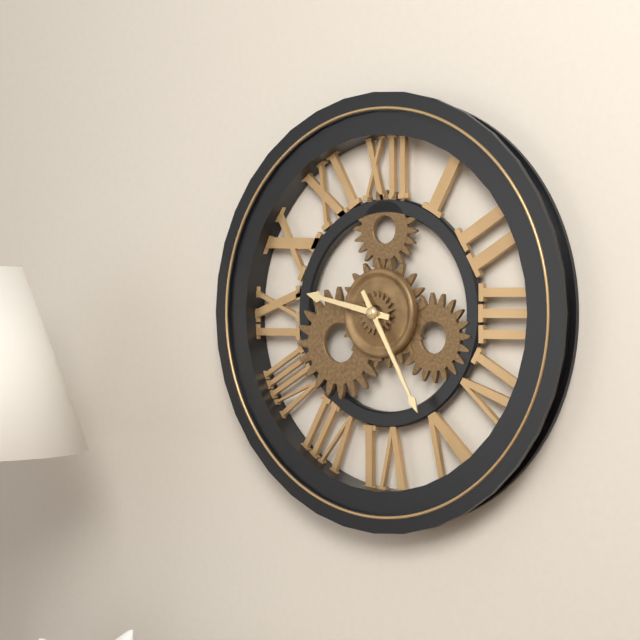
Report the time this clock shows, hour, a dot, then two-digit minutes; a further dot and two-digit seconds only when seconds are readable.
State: 9.25
